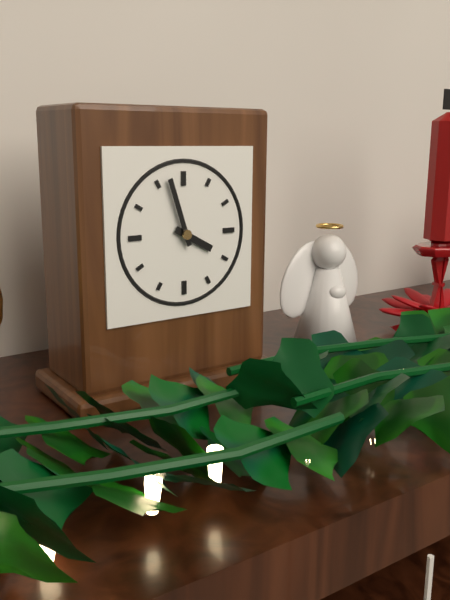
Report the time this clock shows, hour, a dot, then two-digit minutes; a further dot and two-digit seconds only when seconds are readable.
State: 3.57
